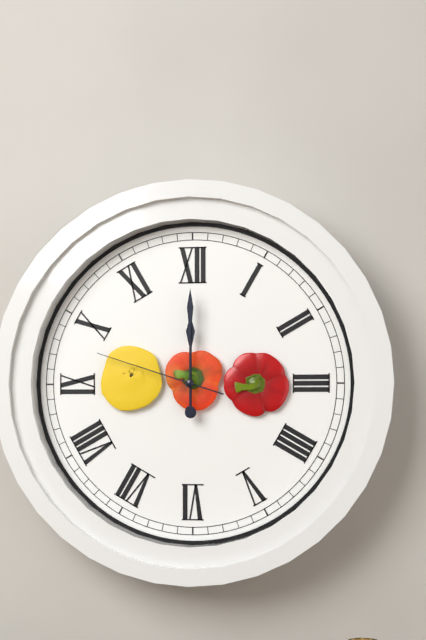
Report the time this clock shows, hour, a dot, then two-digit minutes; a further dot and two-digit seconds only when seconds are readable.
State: 12.00.48
